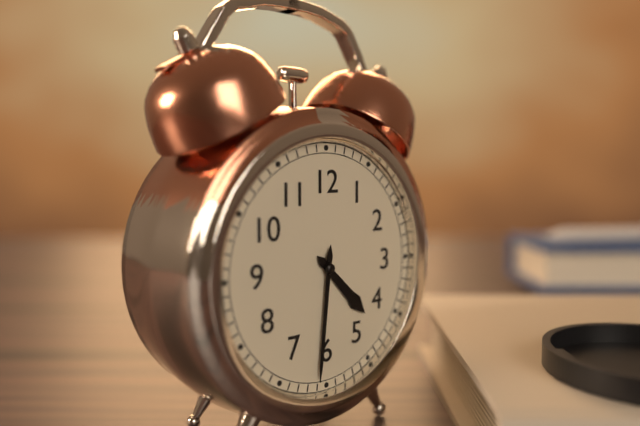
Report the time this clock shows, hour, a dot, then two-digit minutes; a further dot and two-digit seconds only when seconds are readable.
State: 4.31
